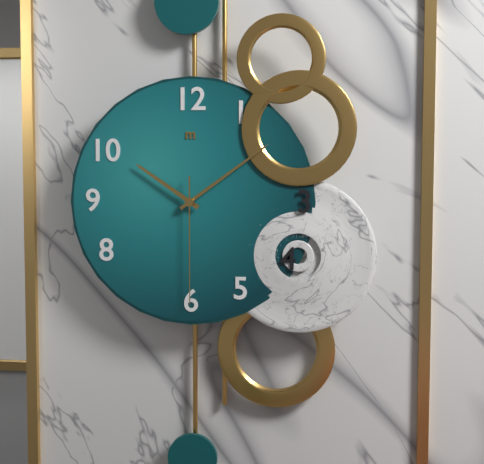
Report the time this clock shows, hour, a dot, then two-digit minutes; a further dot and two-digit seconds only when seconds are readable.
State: 10.09.30
